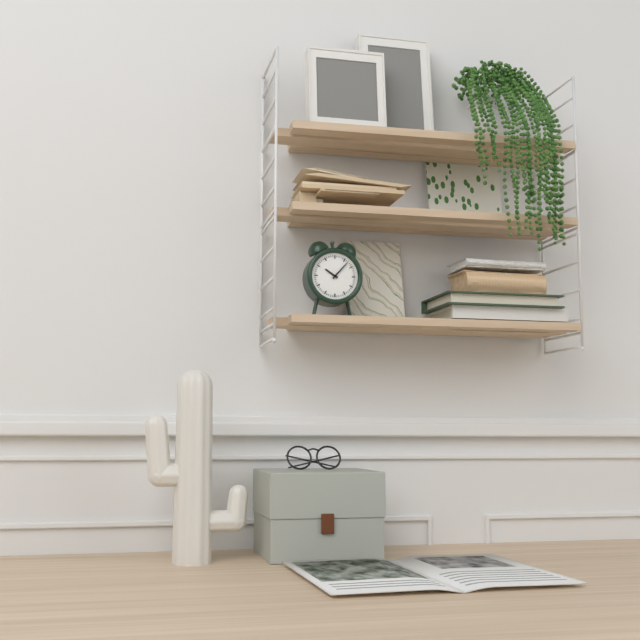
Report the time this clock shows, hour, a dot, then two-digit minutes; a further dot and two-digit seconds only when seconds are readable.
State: 10.07
